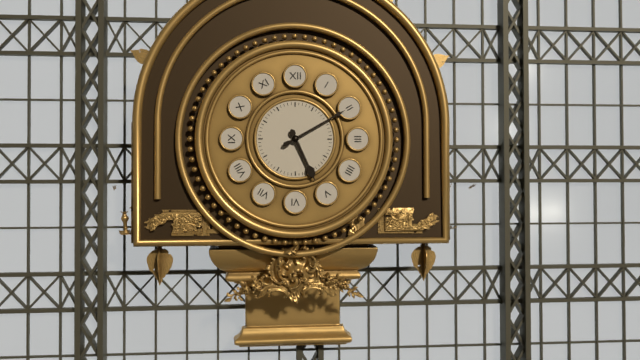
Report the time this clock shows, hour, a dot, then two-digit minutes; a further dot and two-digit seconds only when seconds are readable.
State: 5.10
